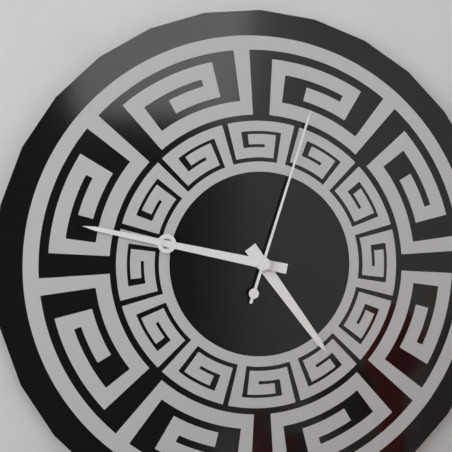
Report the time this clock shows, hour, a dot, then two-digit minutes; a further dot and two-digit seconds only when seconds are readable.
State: 4.47.03
